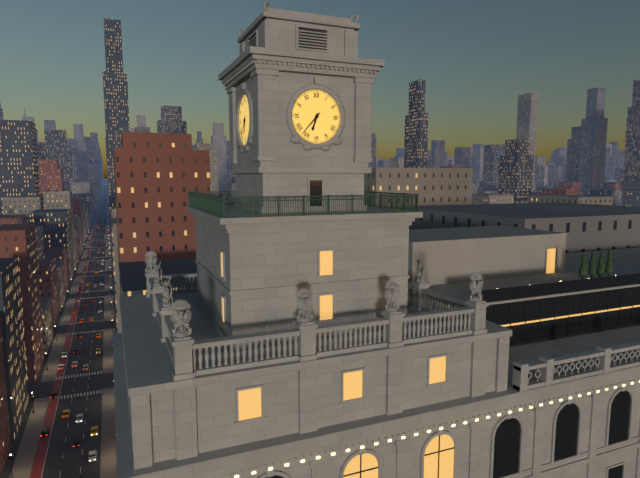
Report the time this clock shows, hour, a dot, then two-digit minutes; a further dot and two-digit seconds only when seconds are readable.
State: 6.37
